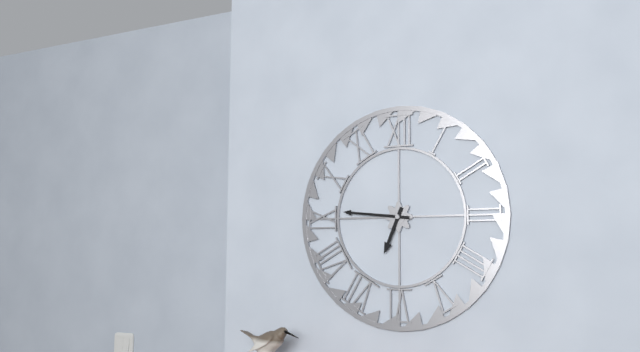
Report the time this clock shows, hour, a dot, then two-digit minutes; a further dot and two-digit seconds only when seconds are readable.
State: 6.46
